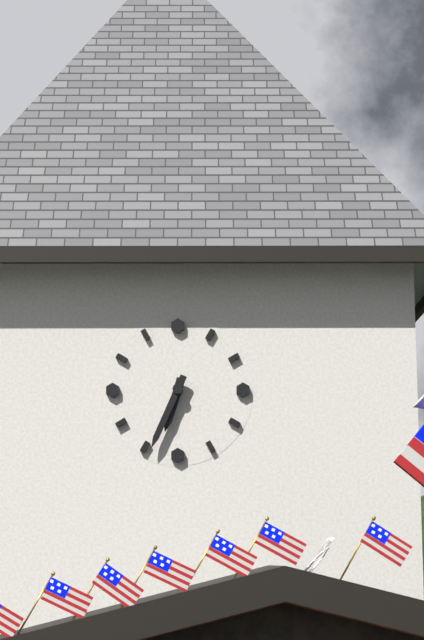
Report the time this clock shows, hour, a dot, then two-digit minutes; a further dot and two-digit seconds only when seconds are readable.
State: 6.34
